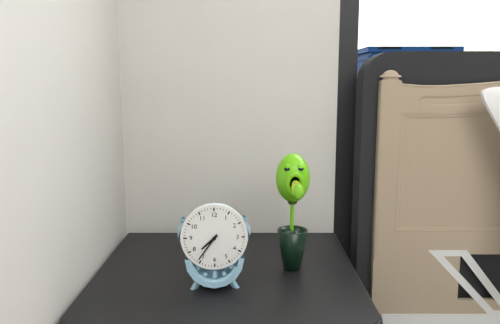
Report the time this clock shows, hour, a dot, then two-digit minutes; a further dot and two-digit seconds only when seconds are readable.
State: 7.36
